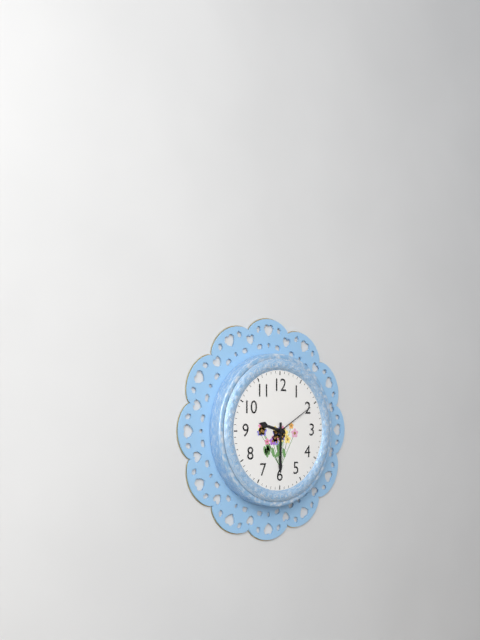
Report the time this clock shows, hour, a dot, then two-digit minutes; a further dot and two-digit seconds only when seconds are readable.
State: 9.30
